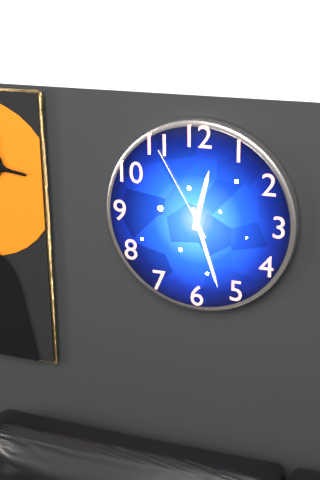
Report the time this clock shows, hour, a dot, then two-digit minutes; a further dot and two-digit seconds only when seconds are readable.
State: 12.27.55
